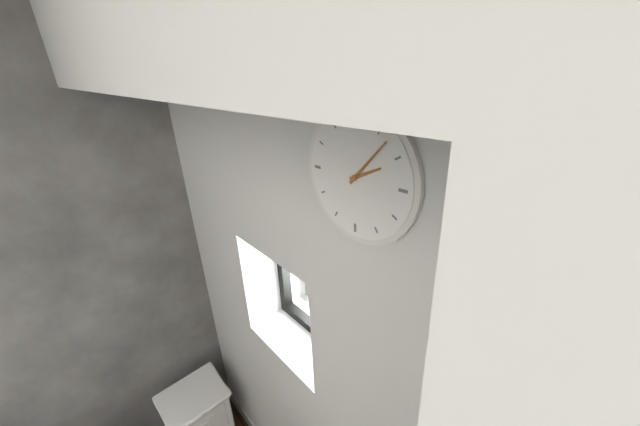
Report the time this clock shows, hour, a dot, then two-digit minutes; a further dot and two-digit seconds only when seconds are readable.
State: 2.07
